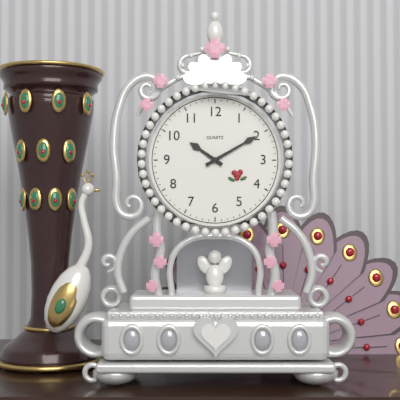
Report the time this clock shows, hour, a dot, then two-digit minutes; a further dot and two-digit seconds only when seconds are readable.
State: 10.10
